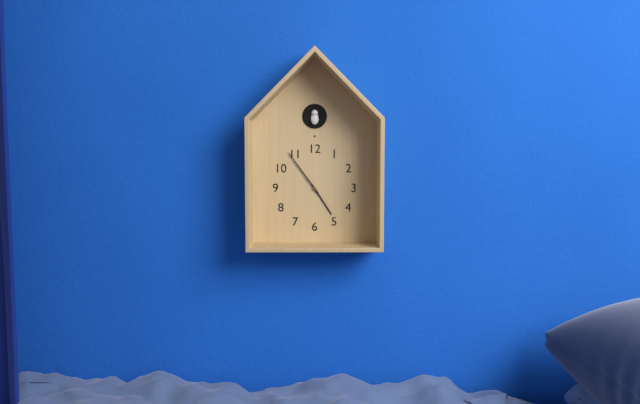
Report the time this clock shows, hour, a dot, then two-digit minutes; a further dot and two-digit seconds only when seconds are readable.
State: 4.54
